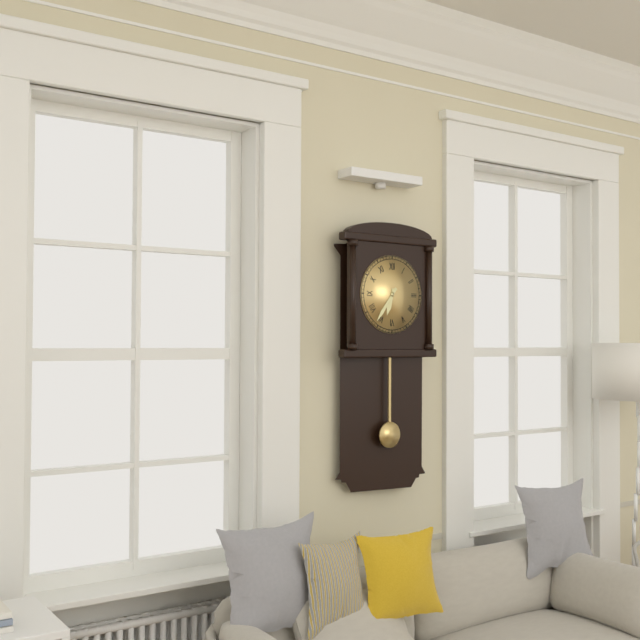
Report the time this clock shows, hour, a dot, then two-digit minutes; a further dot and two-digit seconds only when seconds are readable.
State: 6.36
